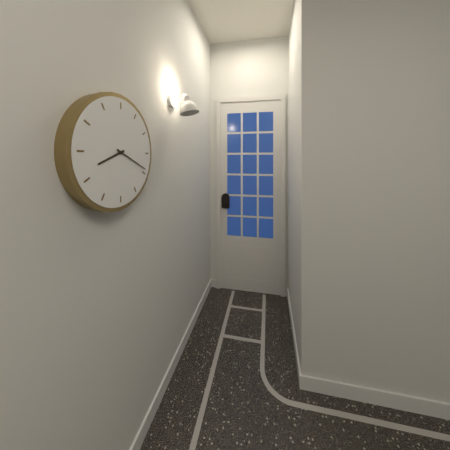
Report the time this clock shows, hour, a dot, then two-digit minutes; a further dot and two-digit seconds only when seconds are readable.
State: 8.19
